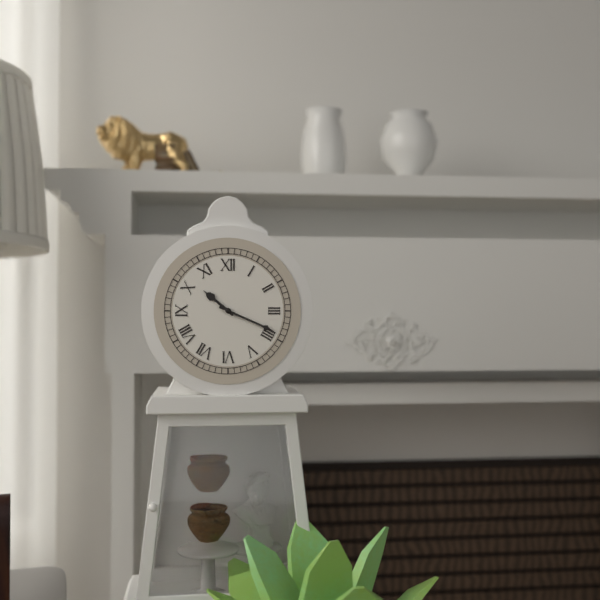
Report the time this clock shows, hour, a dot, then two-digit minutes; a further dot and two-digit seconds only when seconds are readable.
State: 10.19
